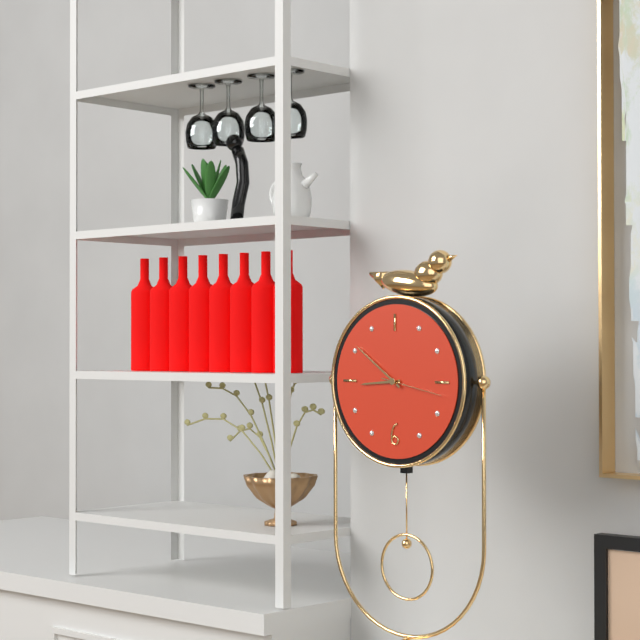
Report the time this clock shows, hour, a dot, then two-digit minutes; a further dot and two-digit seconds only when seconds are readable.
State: 8.51.17
